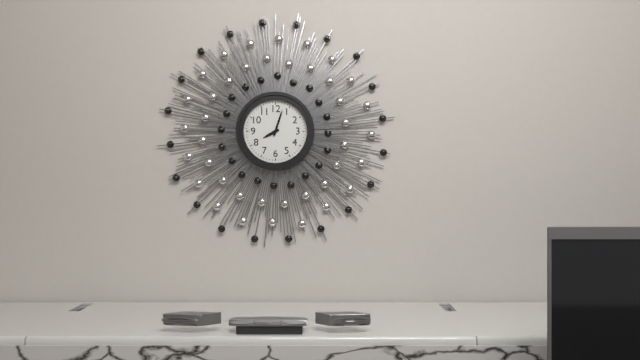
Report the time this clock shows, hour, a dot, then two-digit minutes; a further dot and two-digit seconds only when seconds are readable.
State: 8.03
